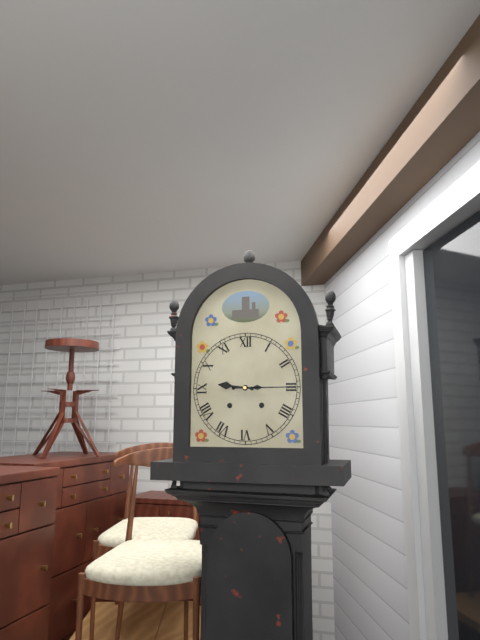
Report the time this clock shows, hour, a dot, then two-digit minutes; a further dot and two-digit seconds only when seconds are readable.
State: 9.15
